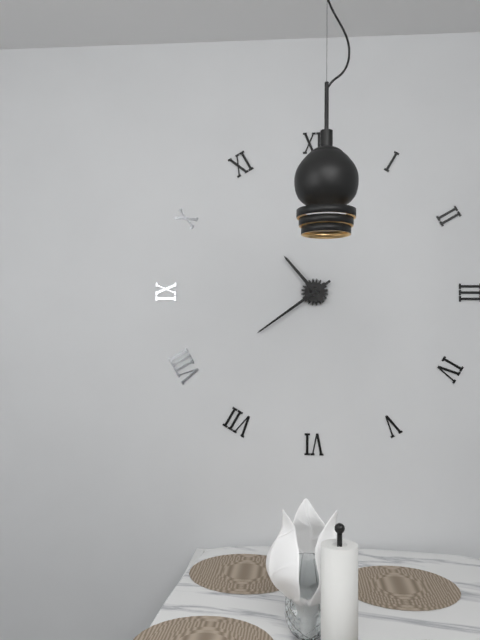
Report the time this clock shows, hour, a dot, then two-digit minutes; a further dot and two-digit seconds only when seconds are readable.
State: 10.39
